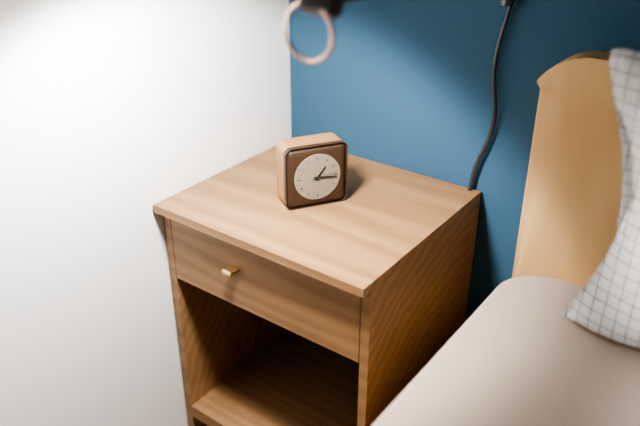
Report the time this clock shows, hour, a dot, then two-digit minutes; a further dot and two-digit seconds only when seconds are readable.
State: 1.16
